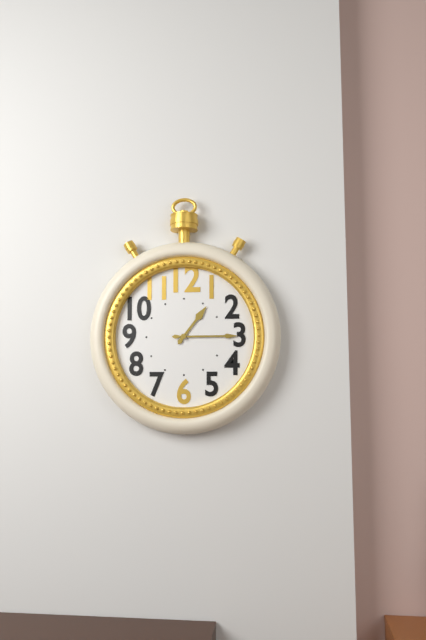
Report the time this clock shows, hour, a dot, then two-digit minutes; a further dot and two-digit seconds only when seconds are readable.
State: 1.15
